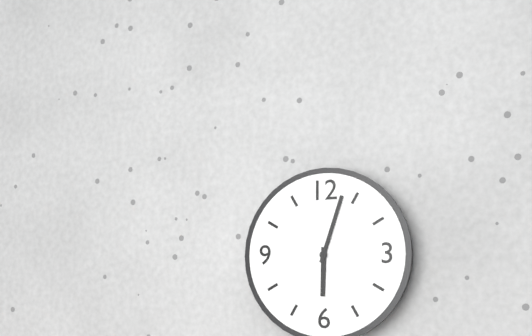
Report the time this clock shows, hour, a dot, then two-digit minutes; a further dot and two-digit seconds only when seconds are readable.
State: 6.03
